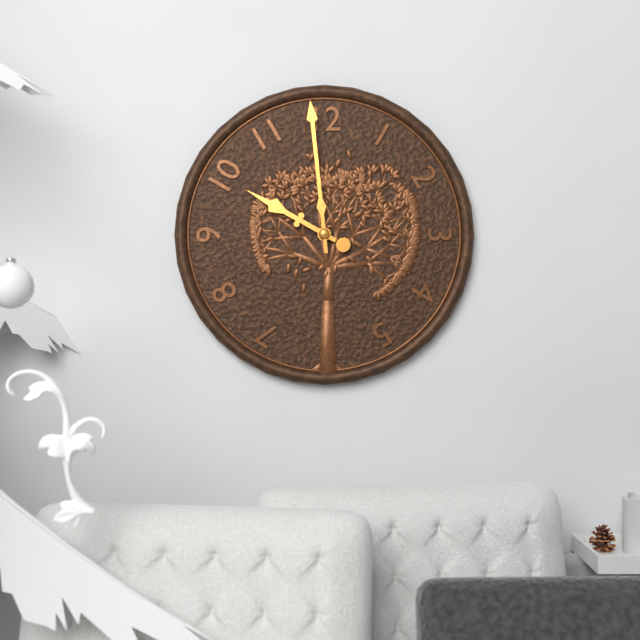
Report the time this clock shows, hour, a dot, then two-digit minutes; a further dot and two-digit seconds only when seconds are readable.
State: 9.59
